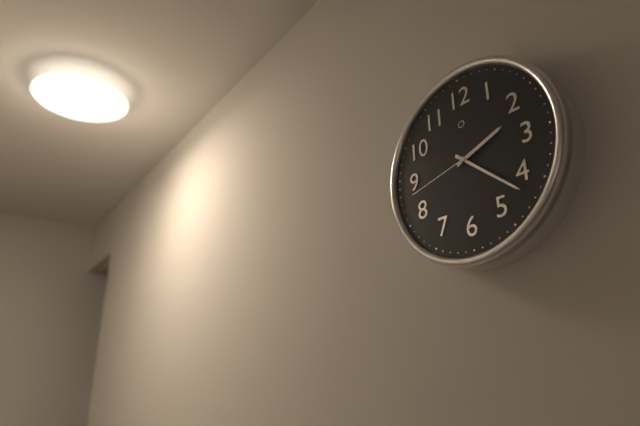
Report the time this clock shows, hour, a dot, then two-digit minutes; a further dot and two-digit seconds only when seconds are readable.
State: 2.22.43
